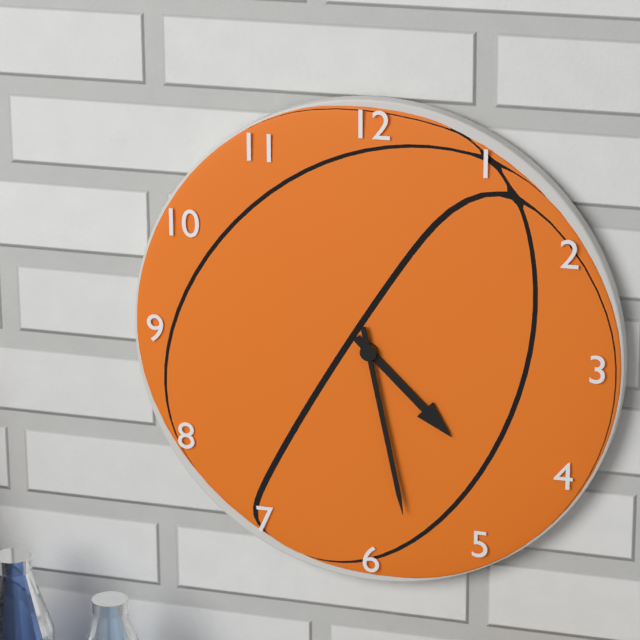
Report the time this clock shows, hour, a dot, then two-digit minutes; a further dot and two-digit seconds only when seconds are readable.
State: 4.28
